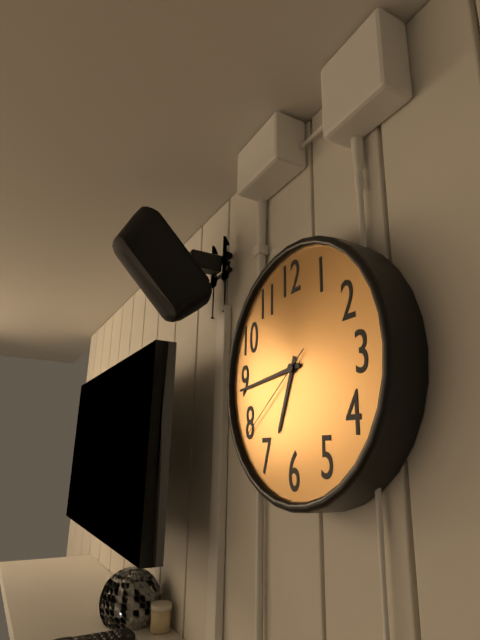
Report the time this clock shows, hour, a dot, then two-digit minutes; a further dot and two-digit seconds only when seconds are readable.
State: 6.44.39
